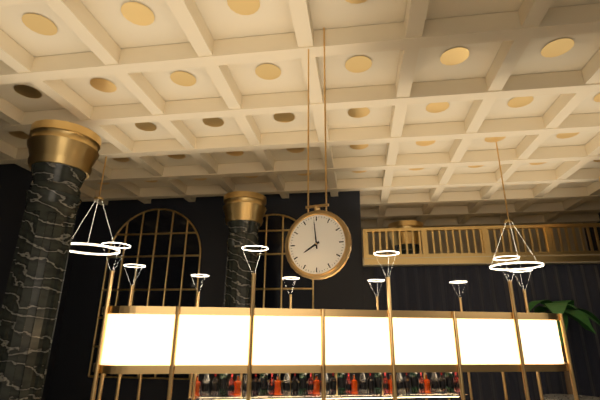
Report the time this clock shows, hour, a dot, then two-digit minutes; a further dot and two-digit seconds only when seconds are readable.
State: 7.59
